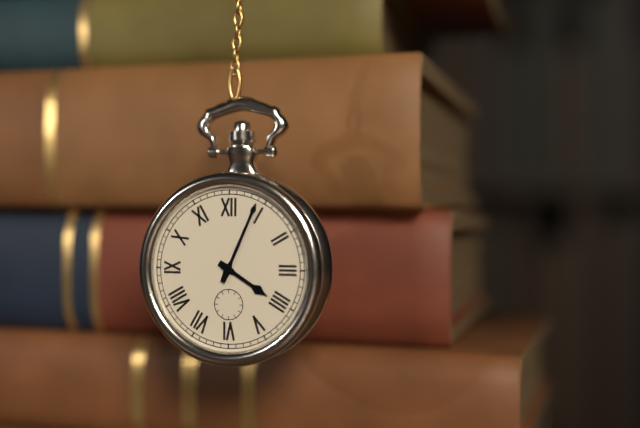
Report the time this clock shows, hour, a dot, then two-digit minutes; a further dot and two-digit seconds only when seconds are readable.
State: 4.04
